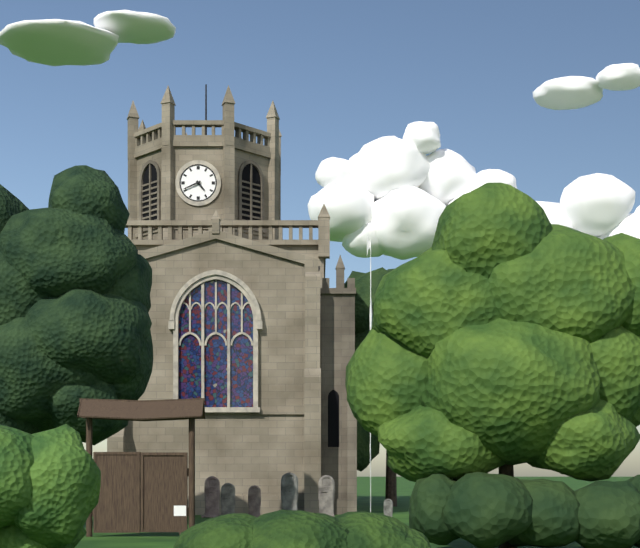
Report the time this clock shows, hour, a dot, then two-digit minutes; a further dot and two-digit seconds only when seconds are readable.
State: 4.41
